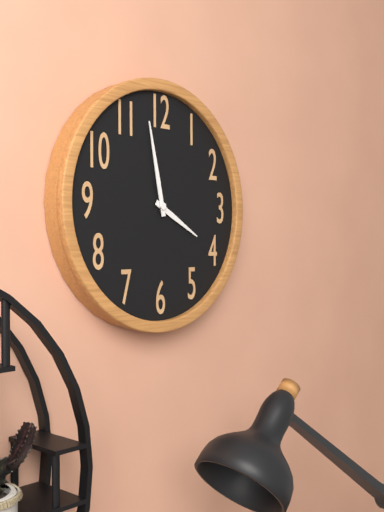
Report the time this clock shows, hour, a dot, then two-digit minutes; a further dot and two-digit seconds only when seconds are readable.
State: 3.58
